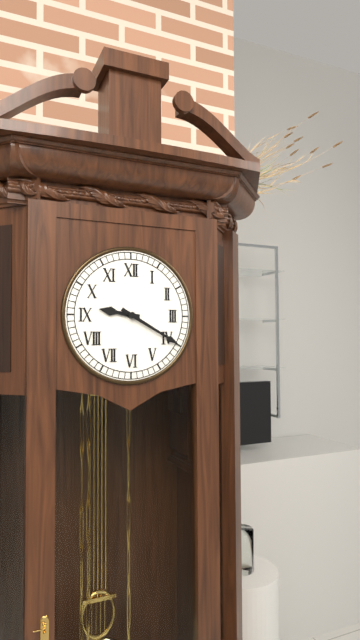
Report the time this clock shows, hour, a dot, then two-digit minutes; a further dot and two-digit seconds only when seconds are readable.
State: 9.20
